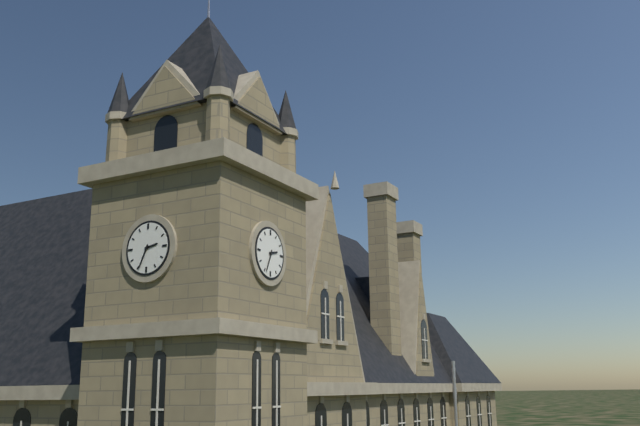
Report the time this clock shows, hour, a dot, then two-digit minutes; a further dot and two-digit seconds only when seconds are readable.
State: 2.34
